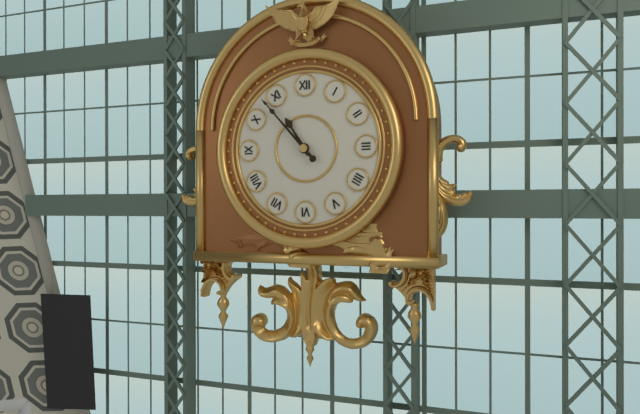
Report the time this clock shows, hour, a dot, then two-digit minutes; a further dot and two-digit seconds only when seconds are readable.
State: 10.53
